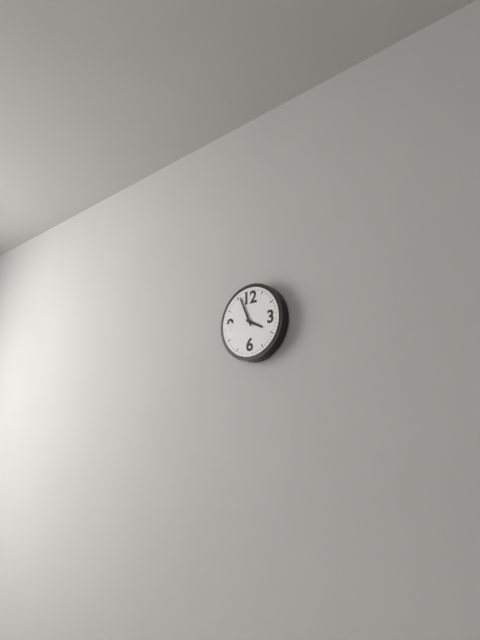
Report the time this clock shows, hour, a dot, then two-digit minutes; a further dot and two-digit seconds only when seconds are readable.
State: 3.56
